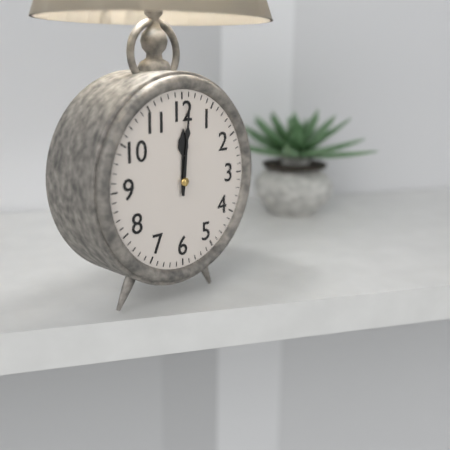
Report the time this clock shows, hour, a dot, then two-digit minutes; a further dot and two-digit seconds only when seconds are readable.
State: 12.01
